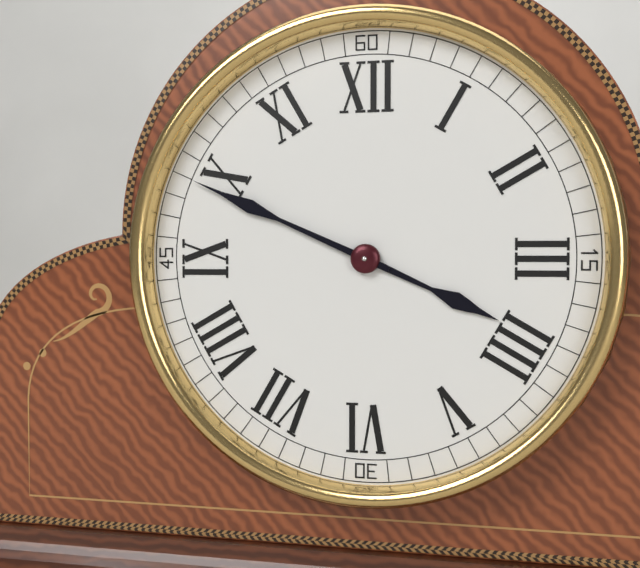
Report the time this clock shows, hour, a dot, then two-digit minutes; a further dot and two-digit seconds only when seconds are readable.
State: 3.49
